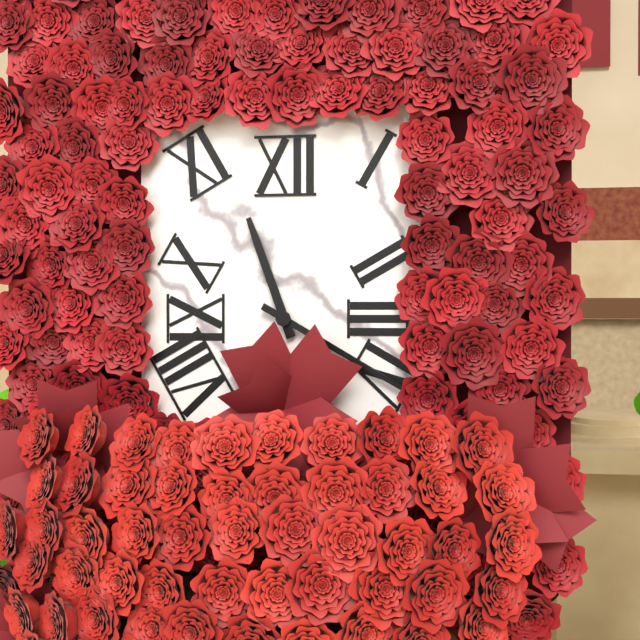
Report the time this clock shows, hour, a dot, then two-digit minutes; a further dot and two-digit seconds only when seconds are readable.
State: 11.20
